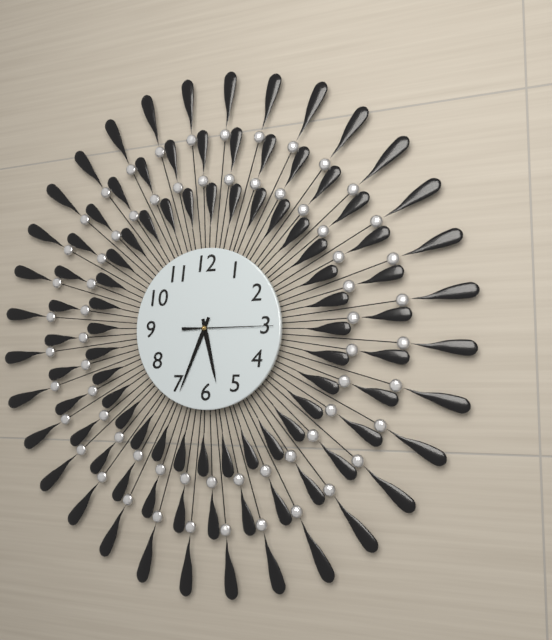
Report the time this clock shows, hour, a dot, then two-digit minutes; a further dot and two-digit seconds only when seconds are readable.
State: 5.34.15
